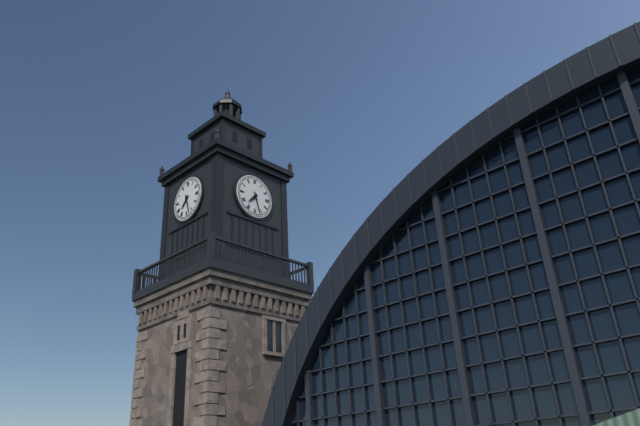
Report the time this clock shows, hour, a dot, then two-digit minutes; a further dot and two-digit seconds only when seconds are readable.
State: 7.27
